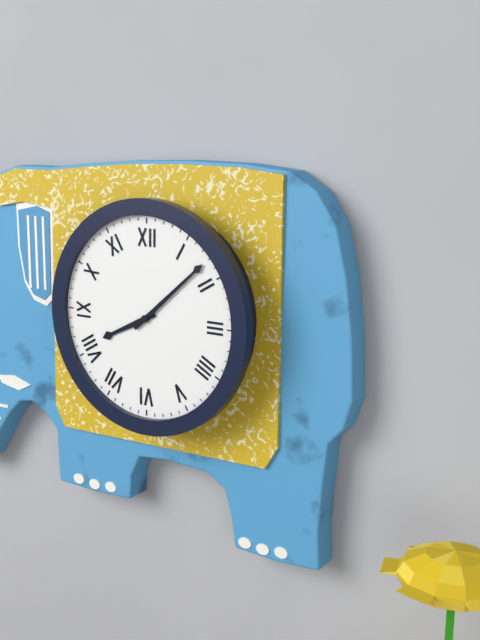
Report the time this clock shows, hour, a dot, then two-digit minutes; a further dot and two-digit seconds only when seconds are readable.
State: 8.08
